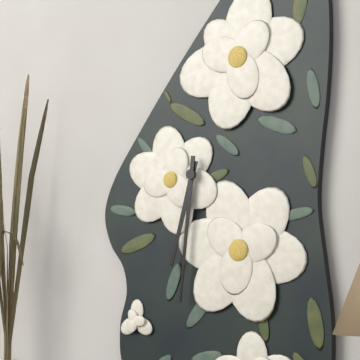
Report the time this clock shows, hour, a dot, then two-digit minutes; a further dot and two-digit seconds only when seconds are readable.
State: 6.31
